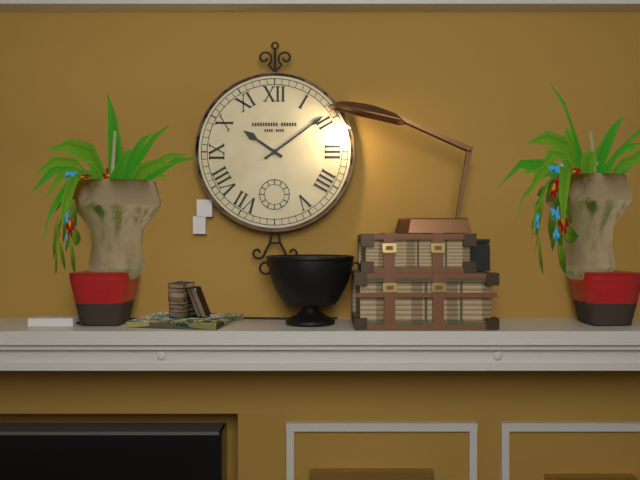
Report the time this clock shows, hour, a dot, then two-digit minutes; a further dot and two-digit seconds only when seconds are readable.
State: 10.09
